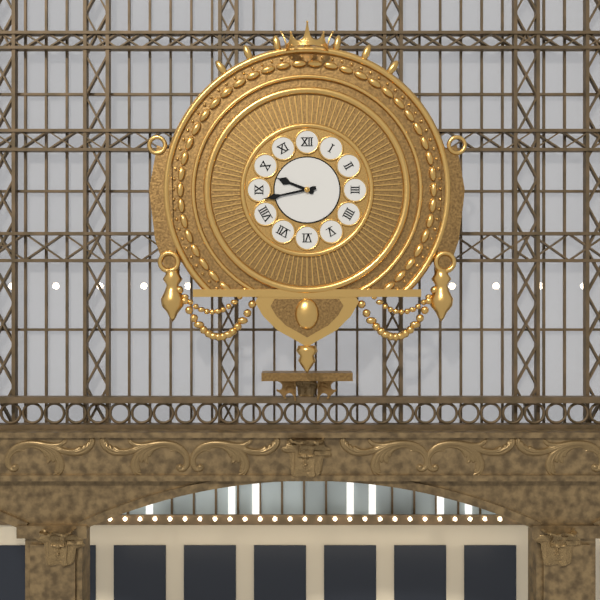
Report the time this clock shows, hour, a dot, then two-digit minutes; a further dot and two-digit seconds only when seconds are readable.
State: 9.43
